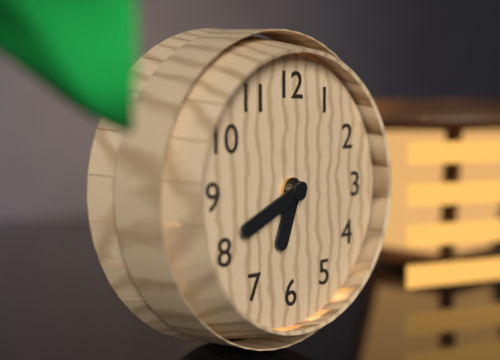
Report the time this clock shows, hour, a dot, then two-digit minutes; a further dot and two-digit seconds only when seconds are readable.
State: 6.41
